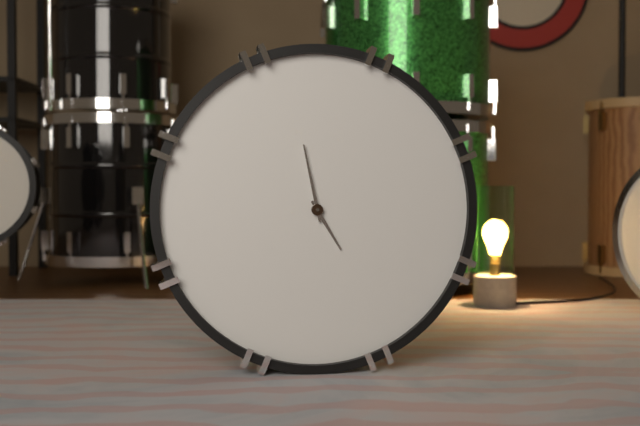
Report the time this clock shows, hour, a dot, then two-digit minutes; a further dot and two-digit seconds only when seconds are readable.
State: 4.58
